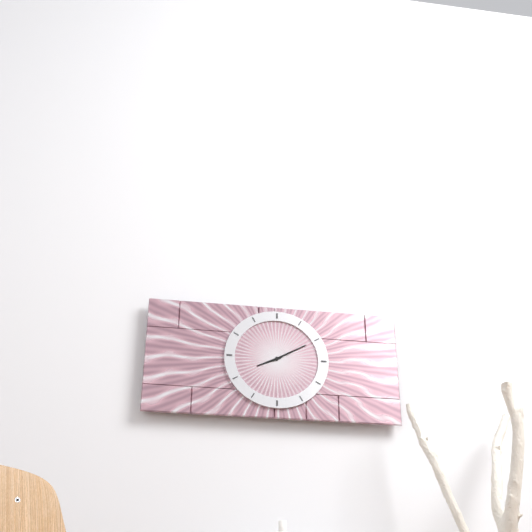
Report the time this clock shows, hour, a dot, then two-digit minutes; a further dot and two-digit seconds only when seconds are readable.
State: 8.10
